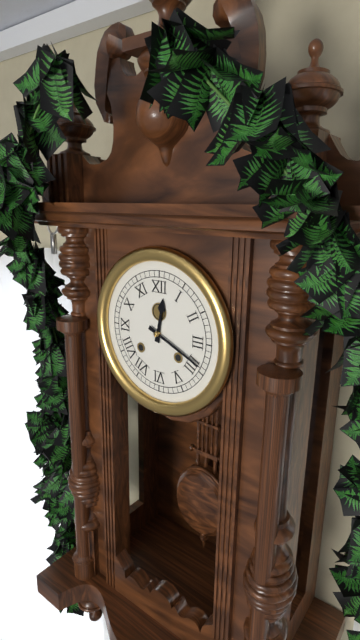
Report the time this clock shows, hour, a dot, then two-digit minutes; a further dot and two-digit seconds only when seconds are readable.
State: 12.19
